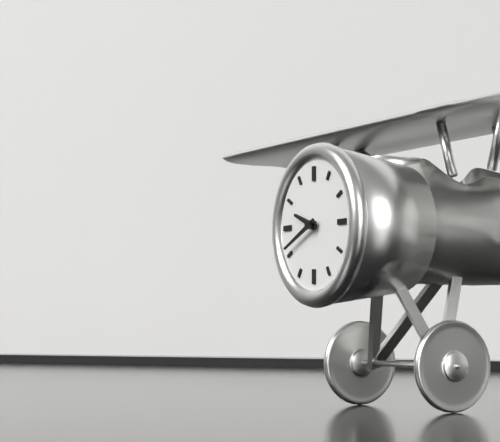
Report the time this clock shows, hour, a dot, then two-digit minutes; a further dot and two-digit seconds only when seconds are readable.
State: 9.41
